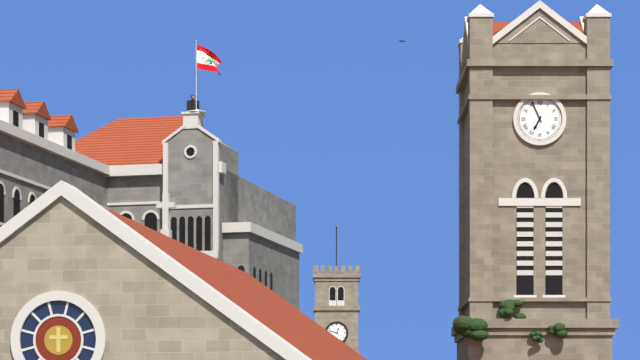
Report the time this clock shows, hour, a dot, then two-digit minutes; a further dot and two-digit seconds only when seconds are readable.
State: 6.56
